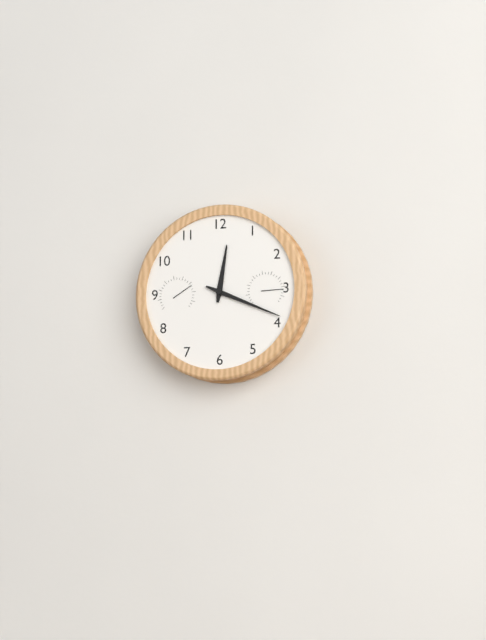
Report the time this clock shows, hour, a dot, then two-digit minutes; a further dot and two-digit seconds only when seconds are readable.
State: 12.19
